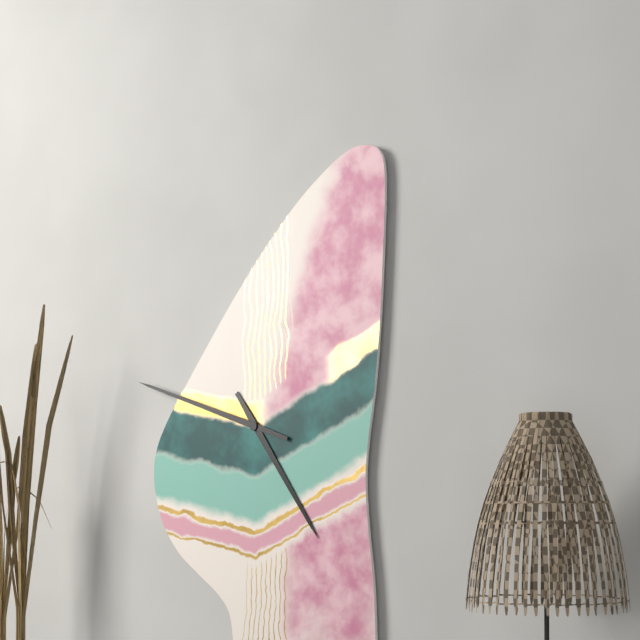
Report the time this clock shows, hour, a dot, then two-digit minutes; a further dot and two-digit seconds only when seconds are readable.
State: 4.48
